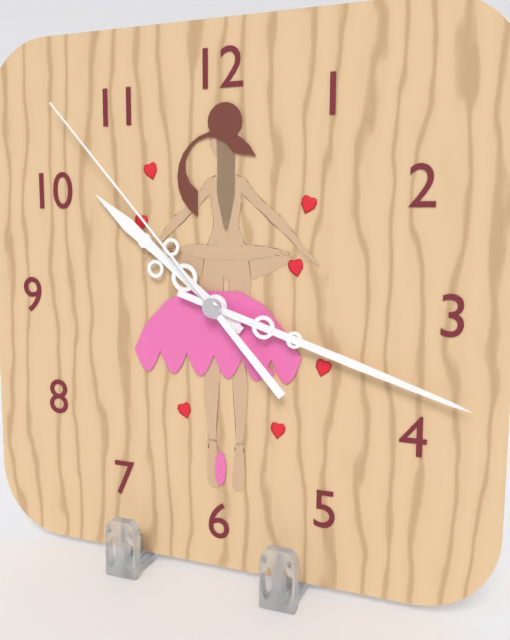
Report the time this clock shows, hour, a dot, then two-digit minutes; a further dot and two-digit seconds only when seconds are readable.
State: 10.18.53
